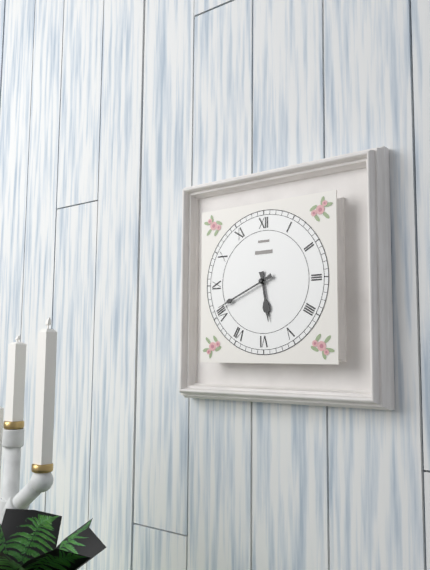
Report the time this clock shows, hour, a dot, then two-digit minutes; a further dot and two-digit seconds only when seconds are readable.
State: 5.41
